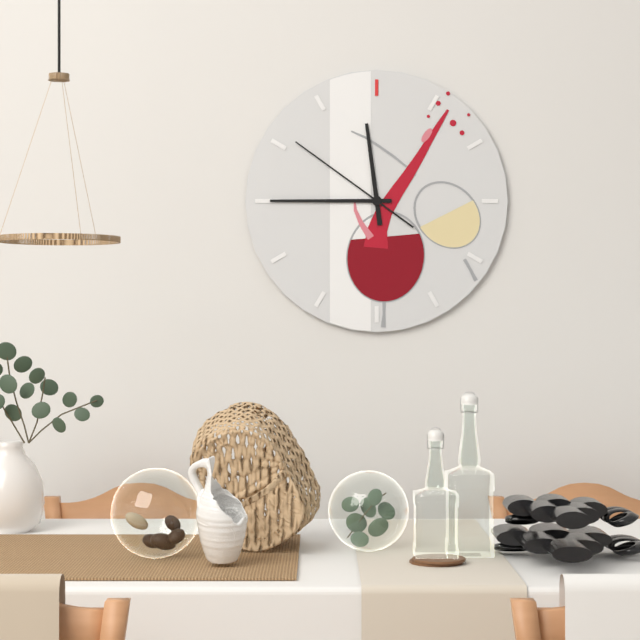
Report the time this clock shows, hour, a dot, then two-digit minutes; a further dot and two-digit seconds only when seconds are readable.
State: 11.45.51
